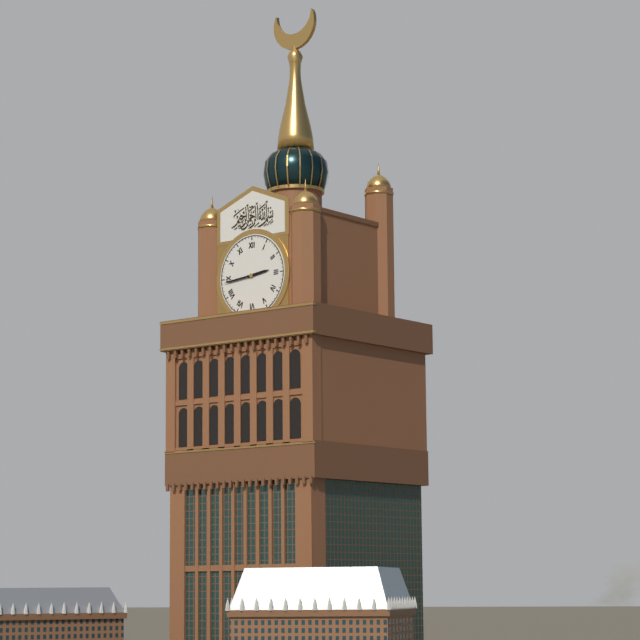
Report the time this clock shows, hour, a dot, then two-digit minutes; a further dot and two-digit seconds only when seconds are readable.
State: 2.44
